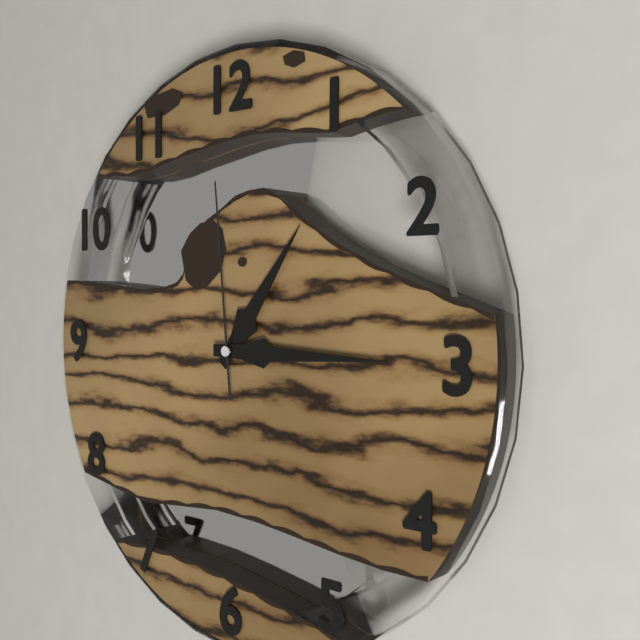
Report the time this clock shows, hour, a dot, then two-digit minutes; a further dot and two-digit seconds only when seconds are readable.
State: 1.15.59
